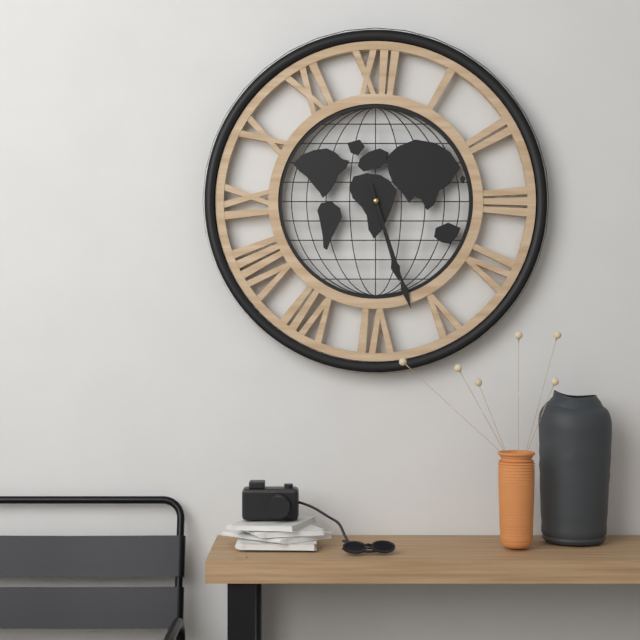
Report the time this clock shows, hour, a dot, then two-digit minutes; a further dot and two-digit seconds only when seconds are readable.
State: 5.27
